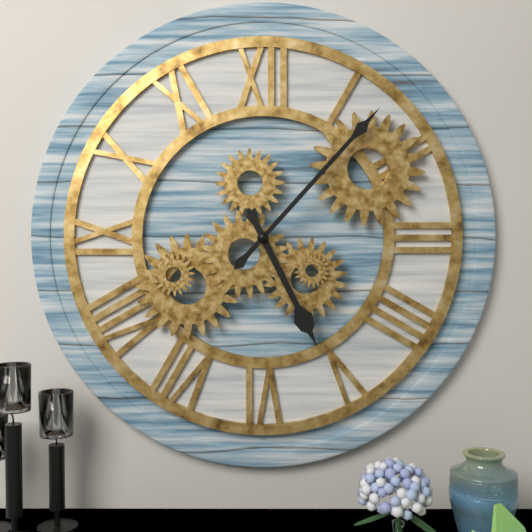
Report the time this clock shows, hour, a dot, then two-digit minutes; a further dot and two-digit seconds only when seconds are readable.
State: 5.07
